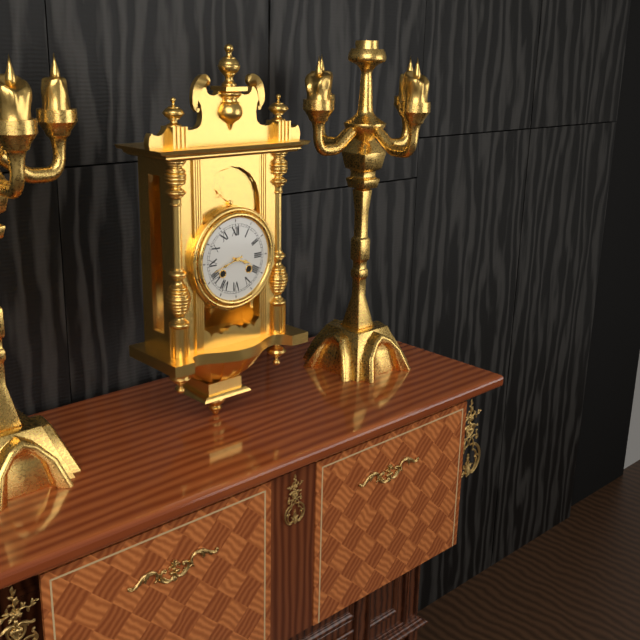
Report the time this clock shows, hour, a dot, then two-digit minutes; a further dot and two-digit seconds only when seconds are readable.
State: 3.42
